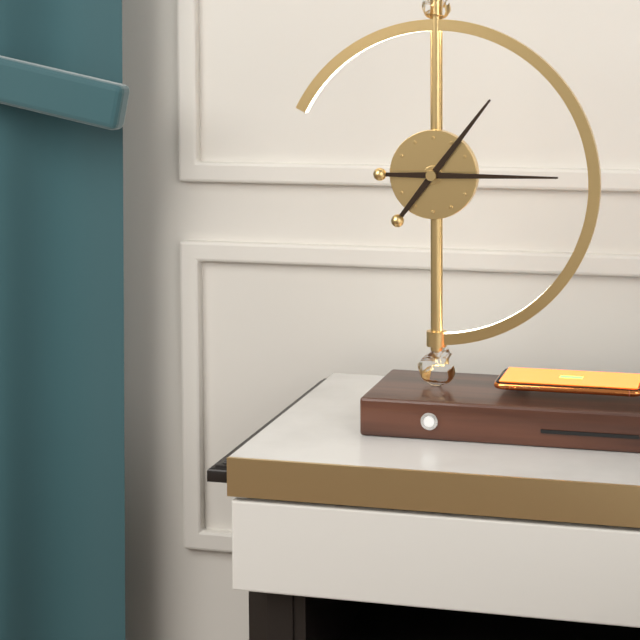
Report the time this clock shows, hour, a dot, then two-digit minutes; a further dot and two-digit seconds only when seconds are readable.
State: 1.15
